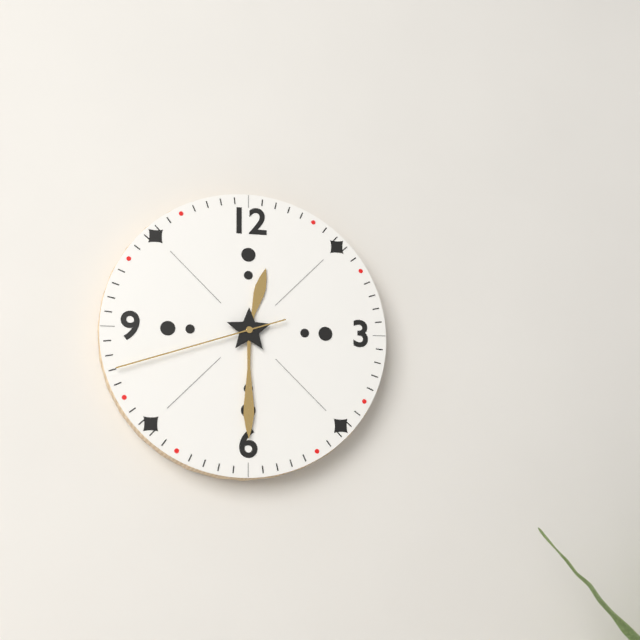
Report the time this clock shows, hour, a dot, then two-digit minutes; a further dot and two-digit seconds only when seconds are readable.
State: 12.30.42
